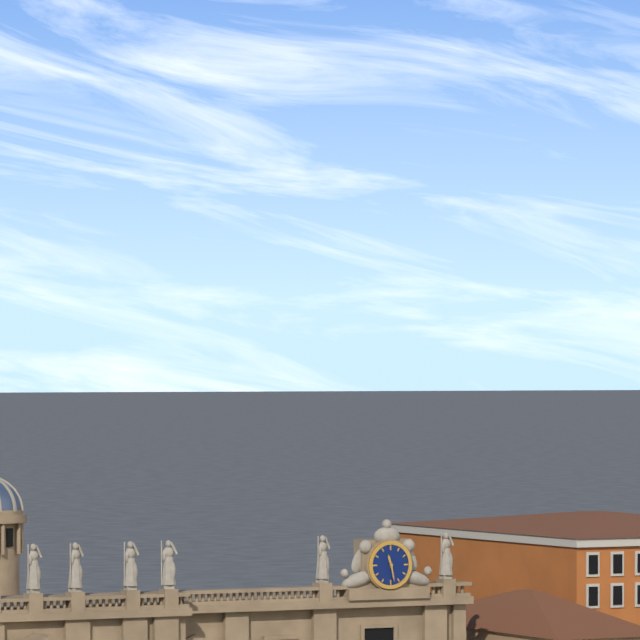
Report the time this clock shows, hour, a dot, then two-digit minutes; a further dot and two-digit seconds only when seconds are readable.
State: 11.28
